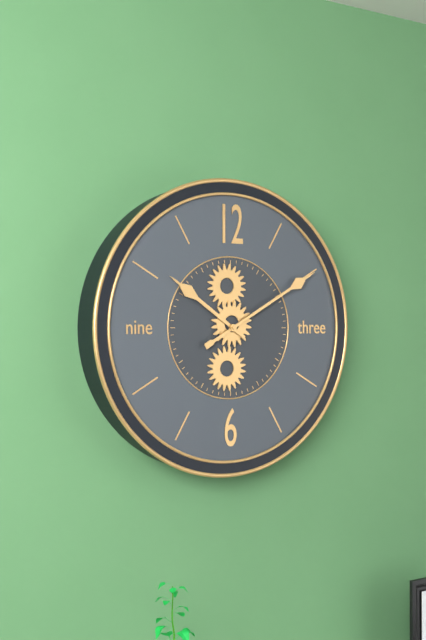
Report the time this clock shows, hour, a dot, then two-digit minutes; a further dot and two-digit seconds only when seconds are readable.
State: 10.10
